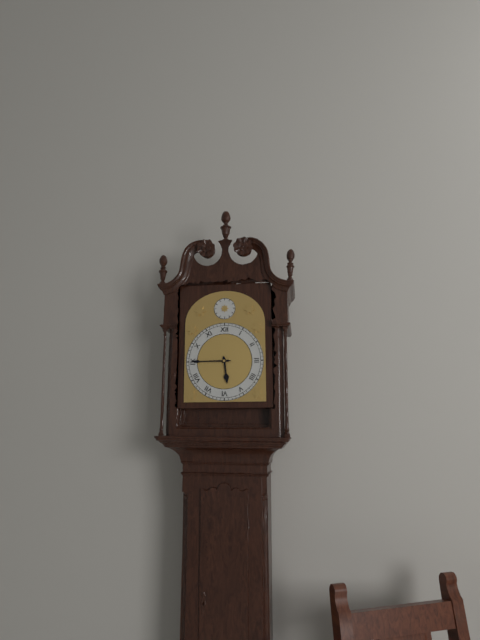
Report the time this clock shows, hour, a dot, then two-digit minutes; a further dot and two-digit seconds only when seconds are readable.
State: 5.45
